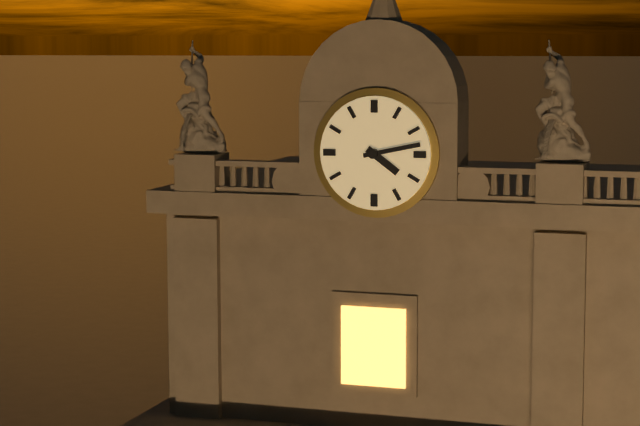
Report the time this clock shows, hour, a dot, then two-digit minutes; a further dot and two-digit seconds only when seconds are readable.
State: 4.13
